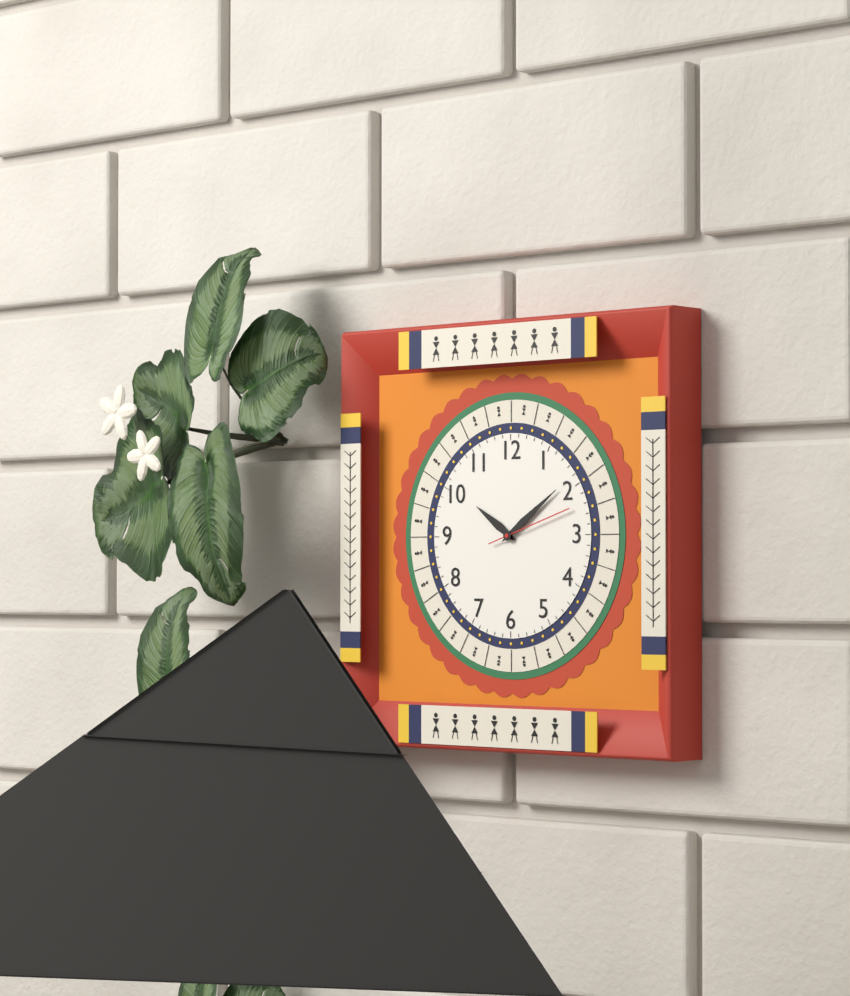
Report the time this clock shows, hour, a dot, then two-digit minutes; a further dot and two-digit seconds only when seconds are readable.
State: 10.09.12
